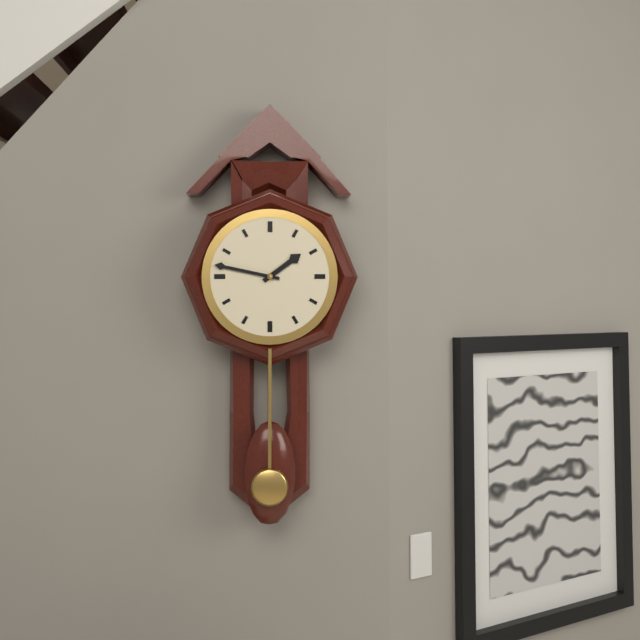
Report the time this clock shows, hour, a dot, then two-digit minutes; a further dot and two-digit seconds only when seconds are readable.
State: 1.47
